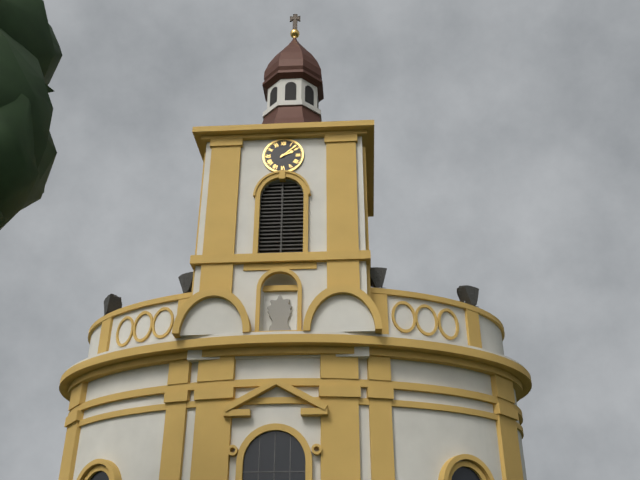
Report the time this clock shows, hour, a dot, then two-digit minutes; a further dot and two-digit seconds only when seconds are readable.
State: 2.08
